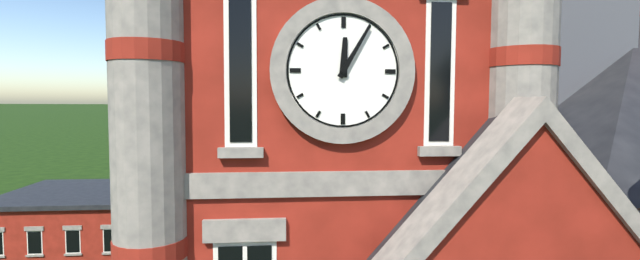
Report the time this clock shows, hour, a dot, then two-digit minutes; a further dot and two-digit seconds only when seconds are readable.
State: 12.05
